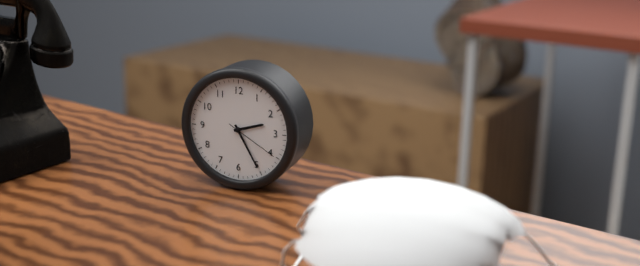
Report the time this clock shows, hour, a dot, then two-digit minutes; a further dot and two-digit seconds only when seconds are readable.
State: 2.25.20
